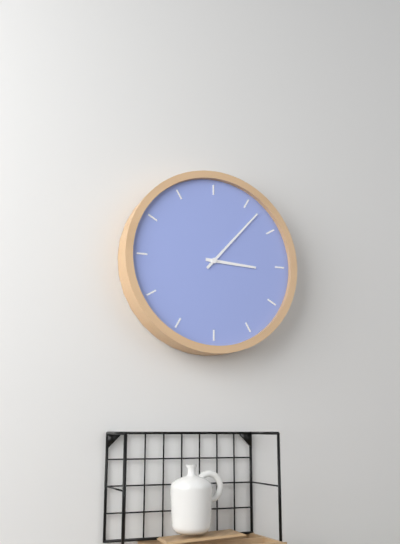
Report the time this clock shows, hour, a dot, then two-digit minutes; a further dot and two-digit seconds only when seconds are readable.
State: 3.07
